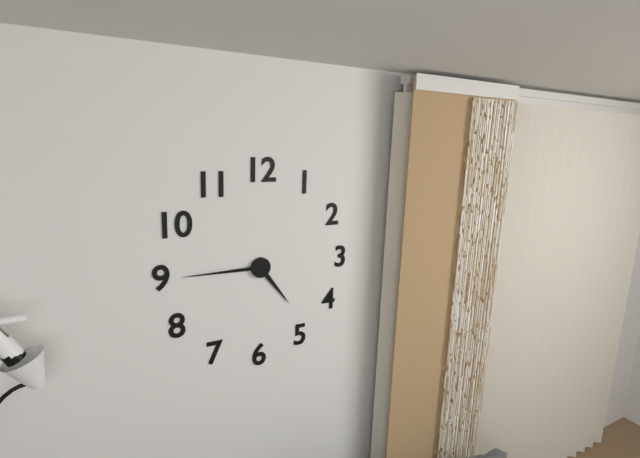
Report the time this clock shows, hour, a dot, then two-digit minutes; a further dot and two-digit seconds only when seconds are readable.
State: 4.45
